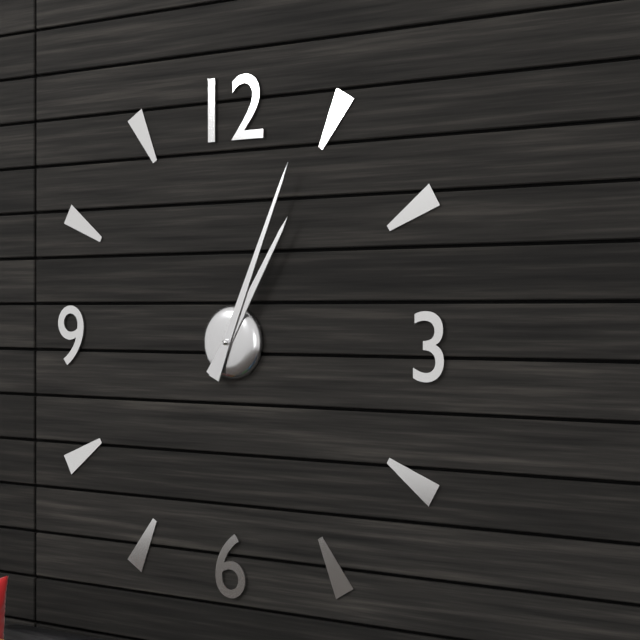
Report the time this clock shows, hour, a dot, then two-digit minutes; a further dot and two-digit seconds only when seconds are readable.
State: 1.04
